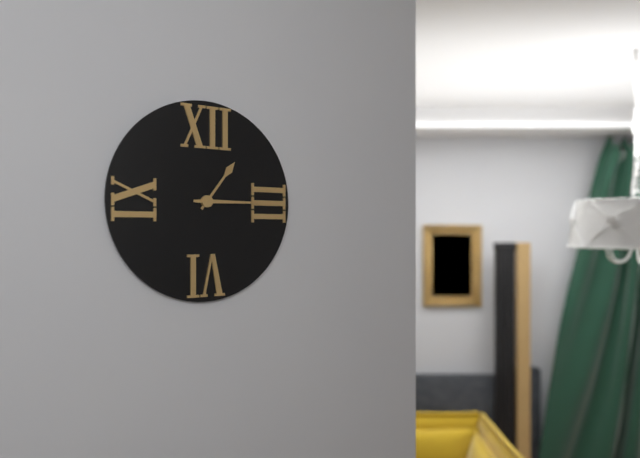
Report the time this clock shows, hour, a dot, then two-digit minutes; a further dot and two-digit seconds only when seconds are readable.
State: 1.15
